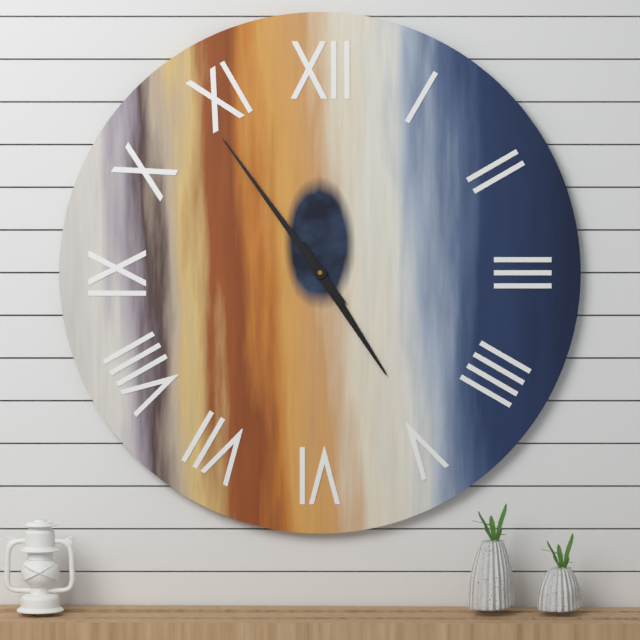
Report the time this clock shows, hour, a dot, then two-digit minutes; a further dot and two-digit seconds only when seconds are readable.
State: 4.54
